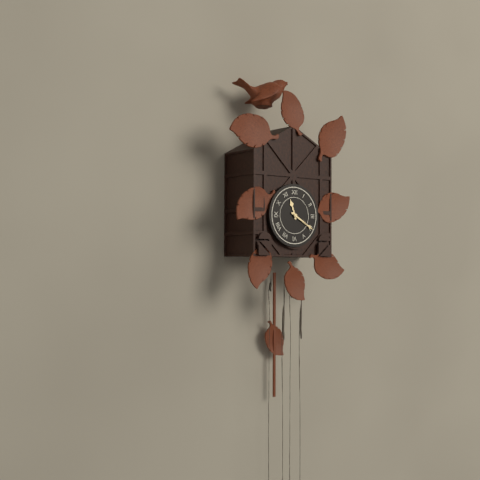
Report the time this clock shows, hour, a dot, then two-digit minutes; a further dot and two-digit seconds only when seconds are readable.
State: 11.20
